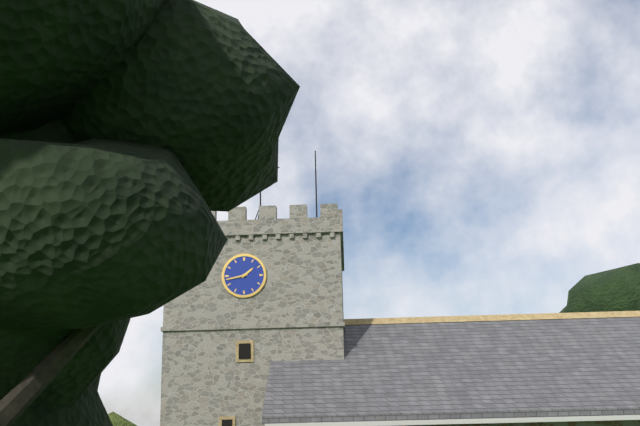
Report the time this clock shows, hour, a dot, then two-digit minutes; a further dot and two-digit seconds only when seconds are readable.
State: 1.43
